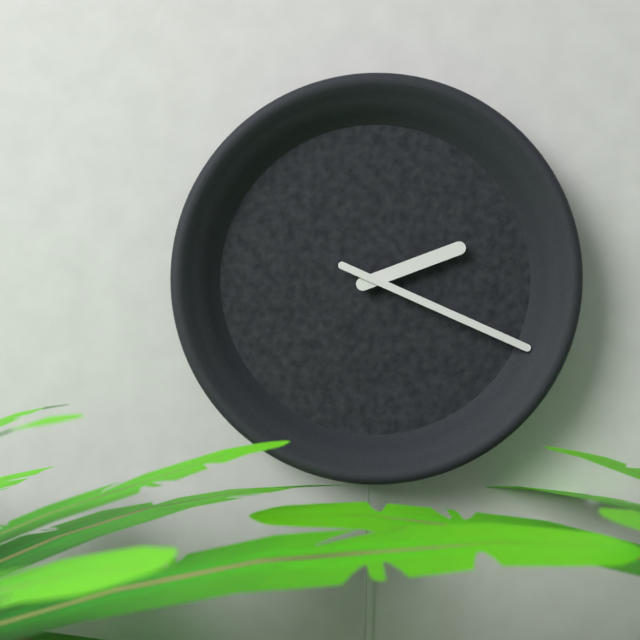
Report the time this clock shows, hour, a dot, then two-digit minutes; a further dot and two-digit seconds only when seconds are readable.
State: 2.19
